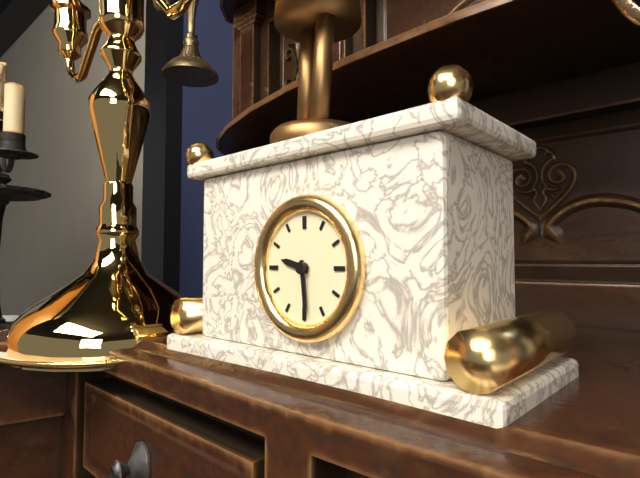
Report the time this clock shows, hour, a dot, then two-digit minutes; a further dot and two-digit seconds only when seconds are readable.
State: 9.29
